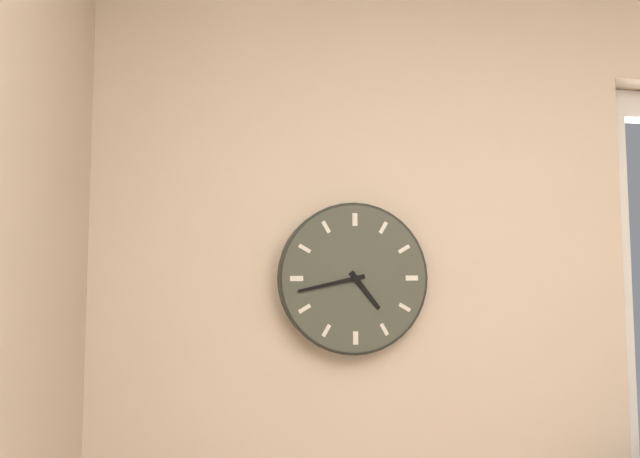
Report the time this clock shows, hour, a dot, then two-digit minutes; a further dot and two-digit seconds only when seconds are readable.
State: 4.43
